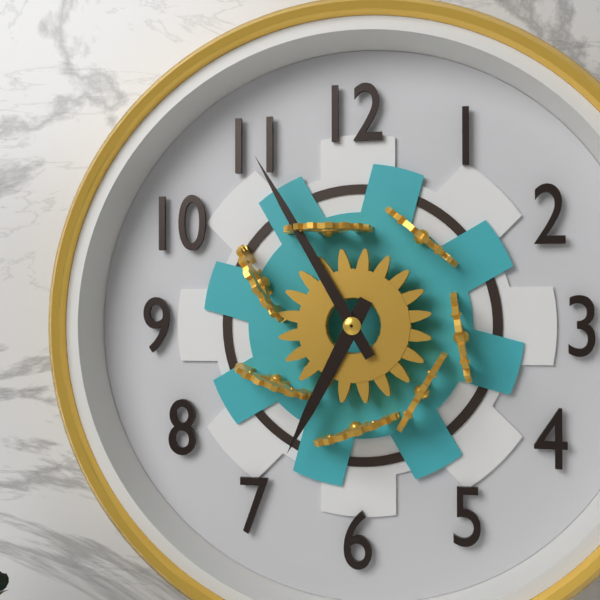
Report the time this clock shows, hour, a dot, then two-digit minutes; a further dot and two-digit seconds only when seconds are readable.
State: 6.55
